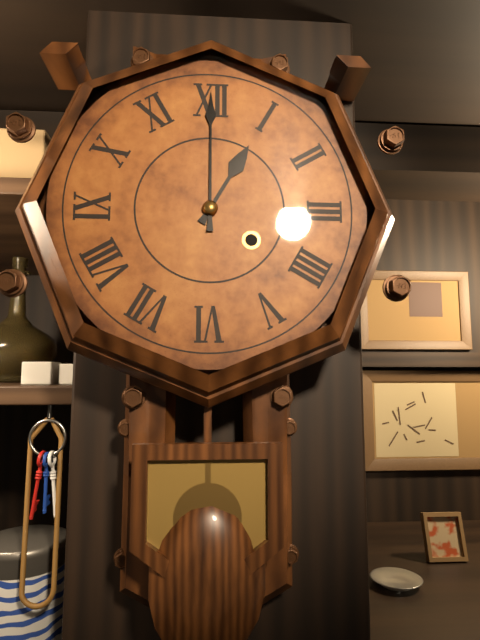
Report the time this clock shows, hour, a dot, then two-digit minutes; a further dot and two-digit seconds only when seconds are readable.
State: 1.00
